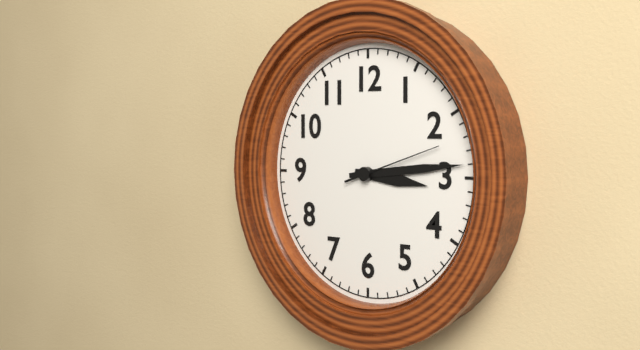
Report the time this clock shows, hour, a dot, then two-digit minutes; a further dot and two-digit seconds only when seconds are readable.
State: 3.14.12
